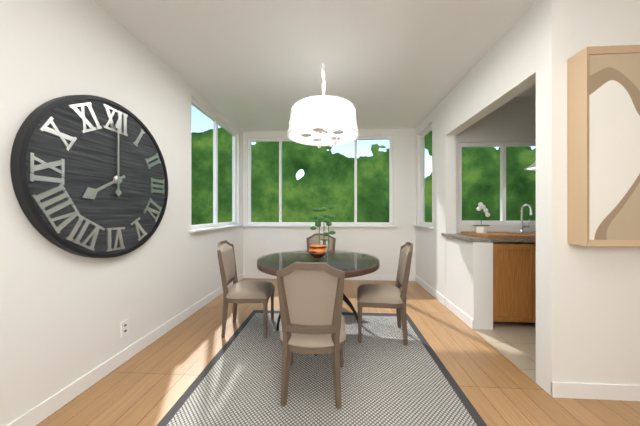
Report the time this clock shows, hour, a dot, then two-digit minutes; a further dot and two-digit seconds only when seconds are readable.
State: 8.00
